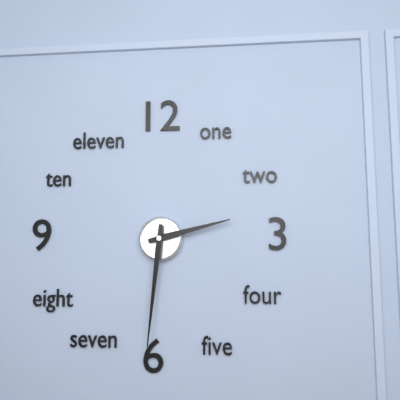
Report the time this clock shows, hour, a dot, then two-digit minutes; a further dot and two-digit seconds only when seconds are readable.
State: 2.31
